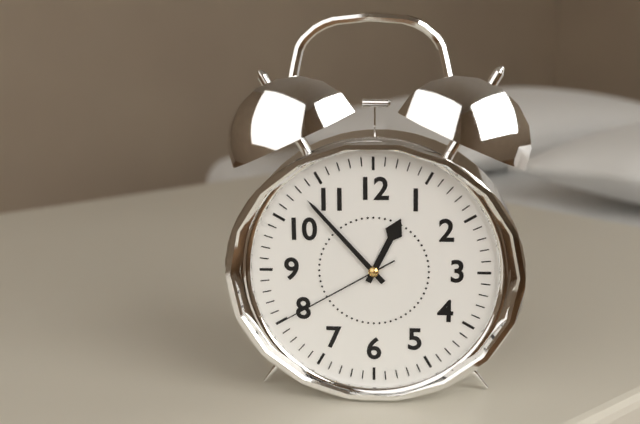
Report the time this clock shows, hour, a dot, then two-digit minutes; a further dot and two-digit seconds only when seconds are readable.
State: 12.53.40
